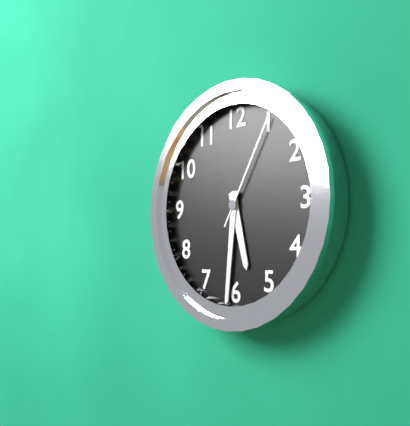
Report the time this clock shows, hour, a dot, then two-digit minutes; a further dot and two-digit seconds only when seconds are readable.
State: 5.31.05
